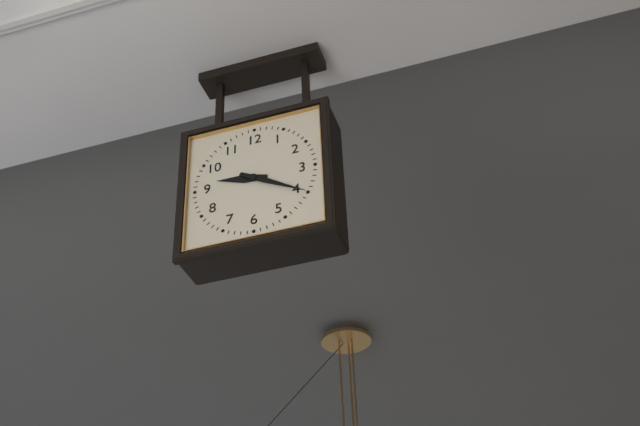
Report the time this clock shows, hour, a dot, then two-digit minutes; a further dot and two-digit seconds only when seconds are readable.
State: 9.20
